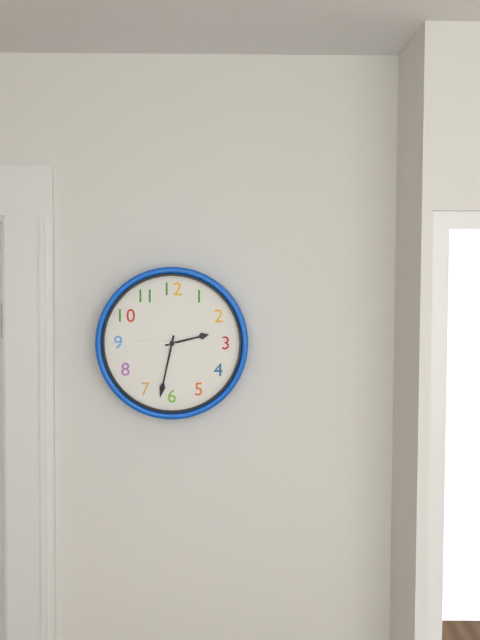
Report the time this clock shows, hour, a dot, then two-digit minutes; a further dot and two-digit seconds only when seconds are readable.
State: 2.32.45
